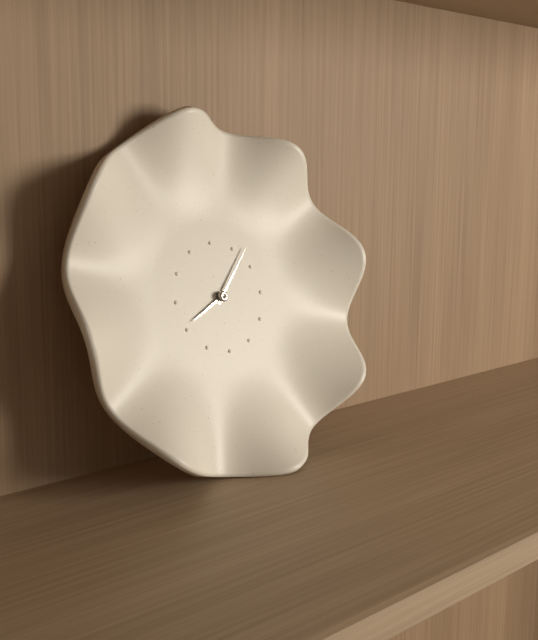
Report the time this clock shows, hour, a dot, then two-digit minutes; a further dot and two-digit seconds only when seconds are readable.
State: 8.07
